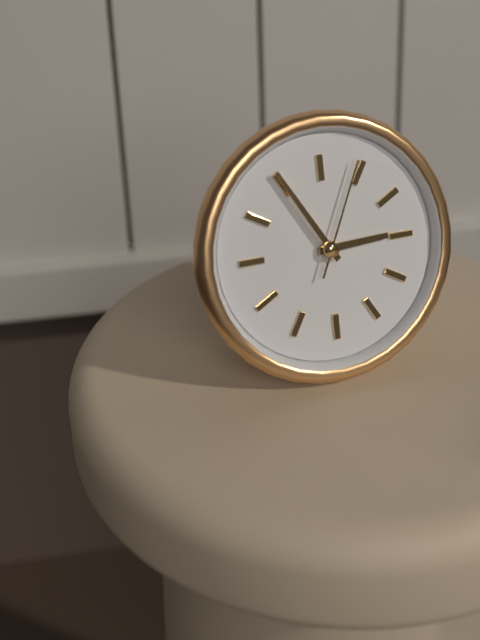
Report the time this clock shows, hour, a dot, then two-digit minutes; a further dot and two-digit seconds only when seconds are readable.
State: 2.55.04
